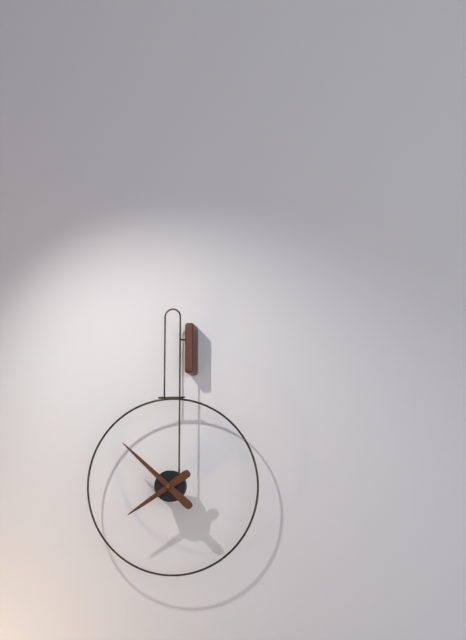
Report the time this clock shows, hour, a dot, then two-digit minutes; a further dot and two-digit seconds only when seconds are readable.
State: 7.52
